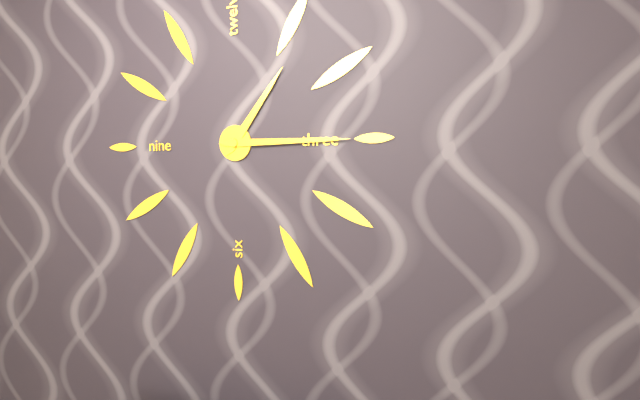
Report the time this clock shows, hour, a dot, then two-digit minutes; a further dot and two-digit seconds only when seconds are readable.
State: 1.15
